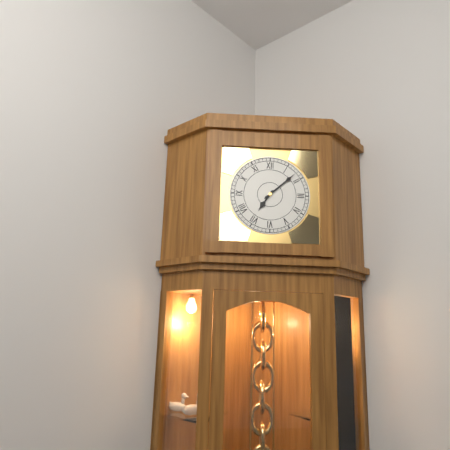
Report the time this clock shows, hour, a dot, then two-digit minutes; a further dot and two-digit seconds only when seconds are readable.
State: 7.08
